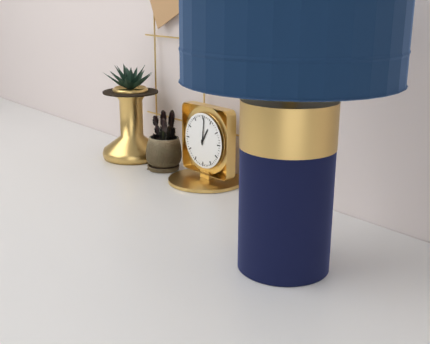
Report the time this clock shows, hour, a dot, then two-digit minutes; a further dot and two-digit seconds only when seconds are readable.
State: 1.01
